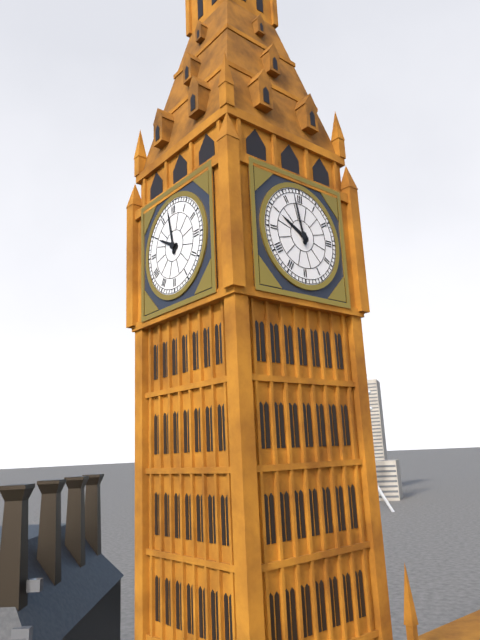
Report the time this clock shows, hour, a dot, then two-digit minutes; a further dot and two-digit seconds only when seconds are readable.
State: 9.58
